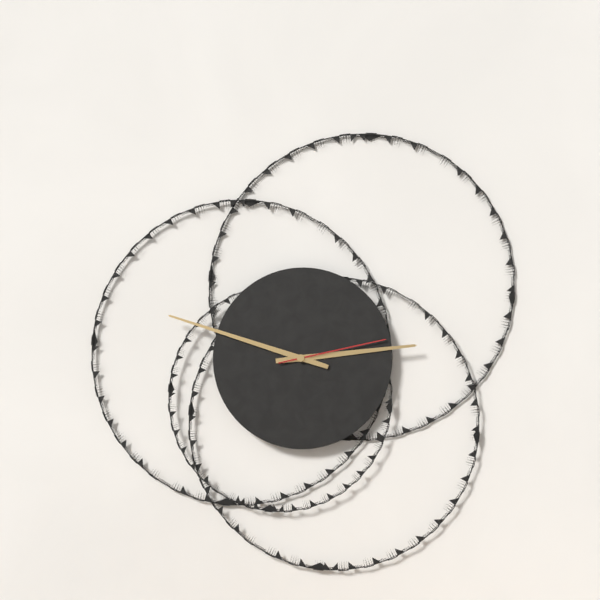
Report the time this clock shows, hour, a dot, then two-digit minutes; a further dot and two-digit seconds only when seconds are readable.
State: 2.48.13
